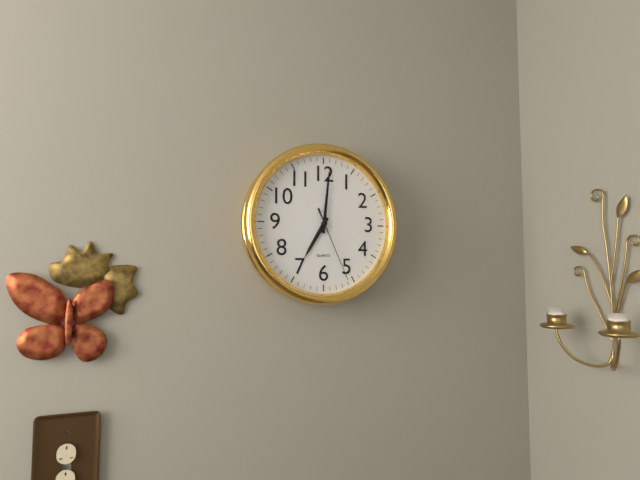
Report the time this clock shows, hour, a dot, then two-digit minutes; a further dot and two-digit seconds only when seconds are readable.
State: 7.01.26
